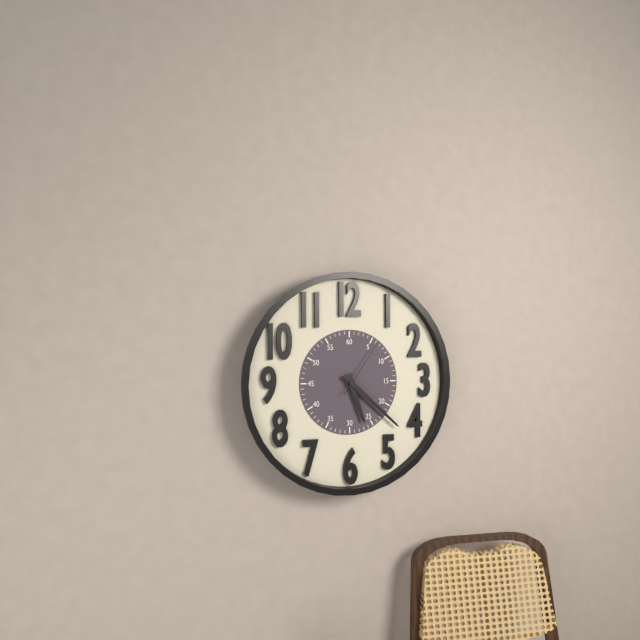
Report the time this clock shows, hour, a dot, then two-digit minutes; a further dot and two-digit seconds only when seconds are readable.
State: 5.22.06
